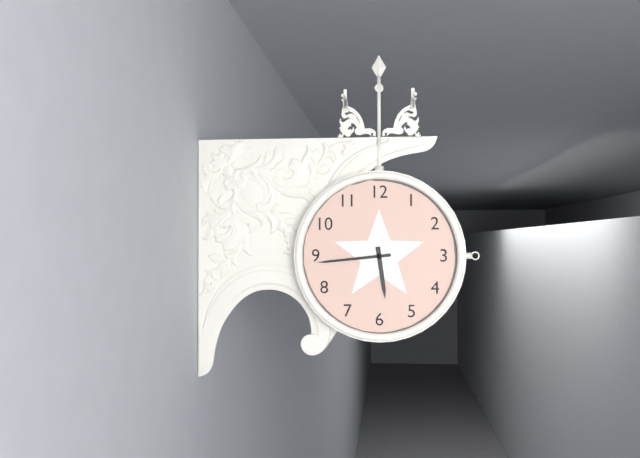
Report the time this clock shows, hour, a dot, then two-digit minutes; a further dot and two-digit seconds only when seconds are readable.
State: 5.44
